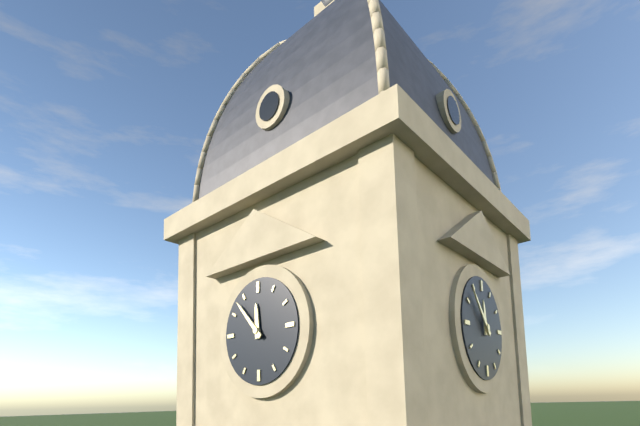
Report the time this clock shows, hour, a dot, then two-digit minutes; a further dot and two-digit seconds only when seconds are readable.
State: 11.53
